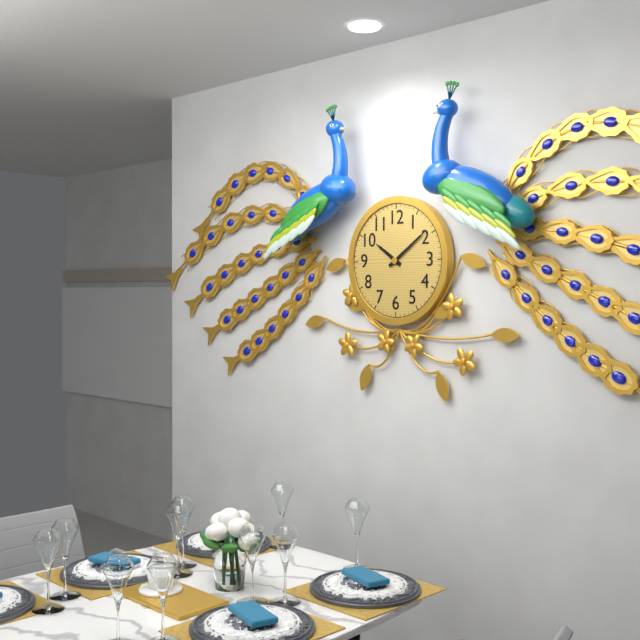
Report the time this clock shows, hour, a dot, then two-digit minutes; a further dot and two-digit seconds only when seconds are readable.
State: 10.09
